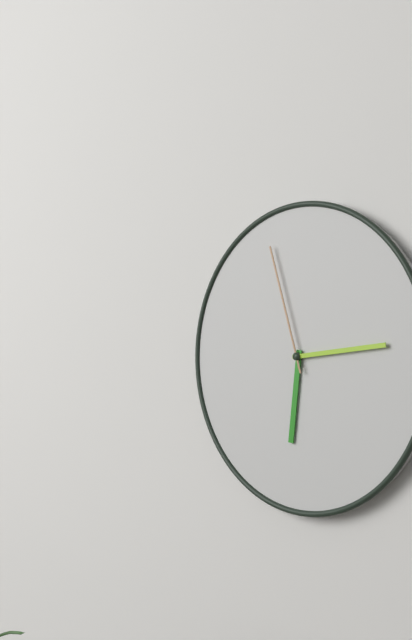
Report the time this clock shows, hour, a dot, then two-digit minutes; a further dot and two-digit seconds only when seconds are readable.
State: 6.14.57
